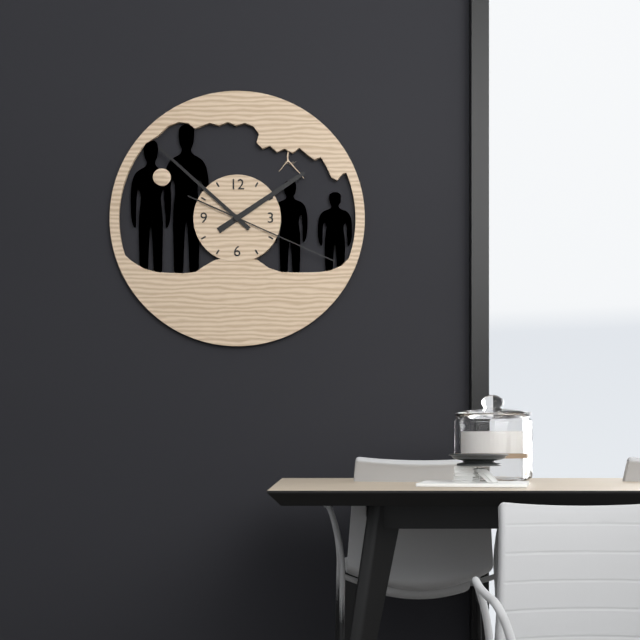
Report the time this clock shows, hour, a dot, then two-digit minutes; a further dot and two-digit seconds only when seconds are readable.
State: 1.52.19
